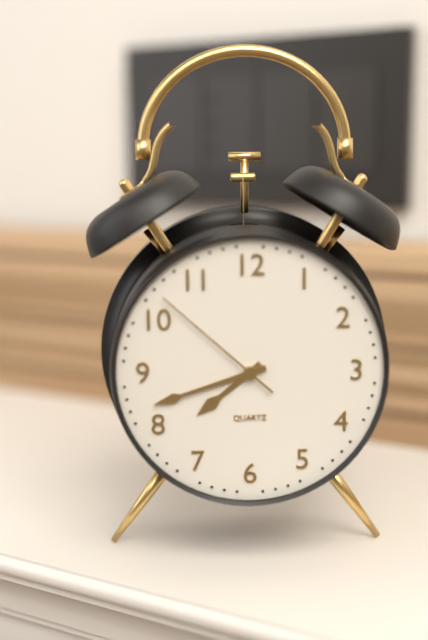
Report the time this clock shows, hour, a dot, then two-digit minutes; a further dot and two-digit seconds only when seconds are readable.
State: 7.42.52
